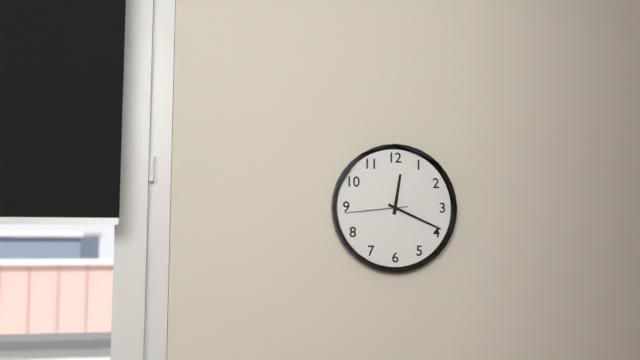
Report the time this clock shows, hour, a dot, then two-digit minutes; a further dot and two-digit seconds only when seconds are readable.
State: 12.19.44
